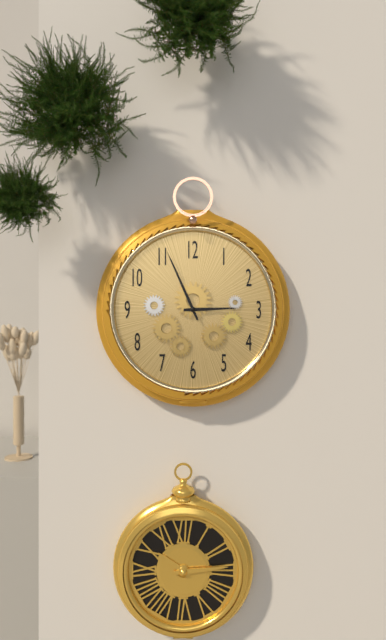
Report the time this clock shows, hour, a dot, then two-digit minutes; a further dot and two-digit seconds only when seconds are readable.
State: 2.56
